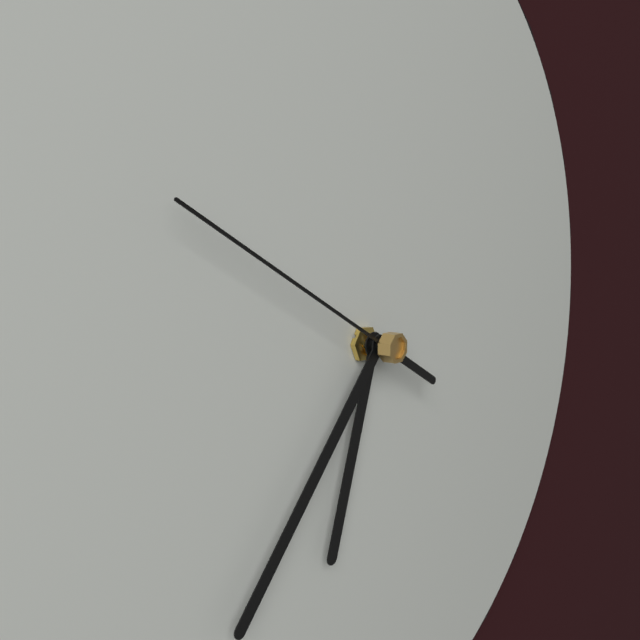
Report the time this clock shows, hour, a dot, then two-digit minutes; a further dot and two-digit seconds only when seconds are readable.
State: 6.37.50
